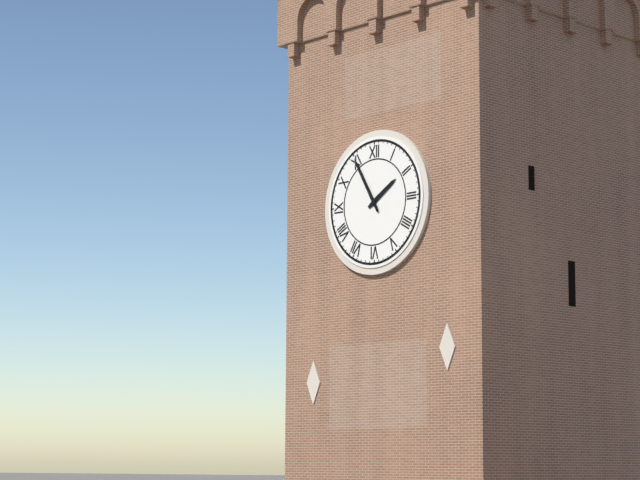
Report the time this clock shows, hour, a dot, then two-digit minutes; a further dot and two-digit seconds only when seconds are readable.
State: 1.55
